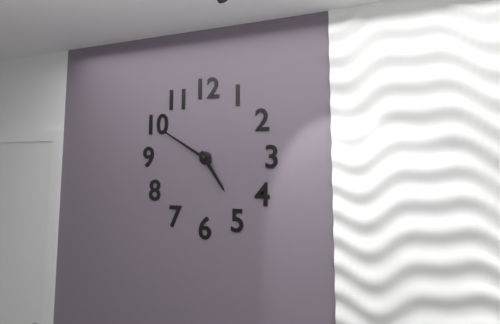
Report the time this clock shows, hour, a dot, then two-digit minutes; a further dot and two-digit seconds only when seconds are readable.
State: 4.50
